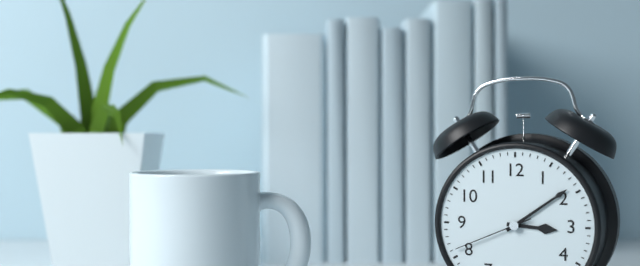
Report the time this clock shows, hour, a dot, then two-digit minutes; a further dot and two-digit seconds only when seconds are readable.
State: 3.09.41
